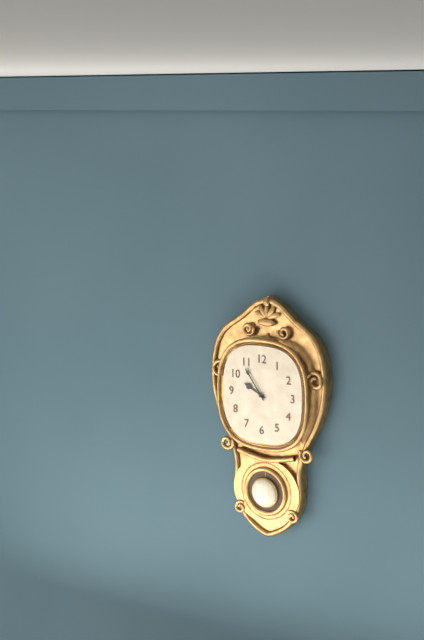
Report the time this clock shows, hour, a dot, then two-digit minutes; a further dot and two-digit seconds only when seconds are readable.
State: 9.54
